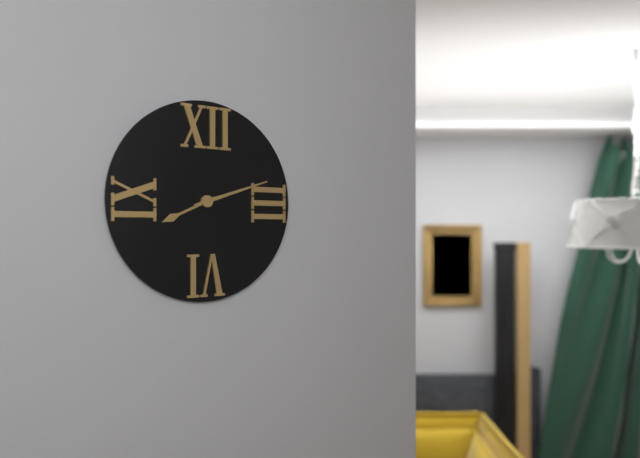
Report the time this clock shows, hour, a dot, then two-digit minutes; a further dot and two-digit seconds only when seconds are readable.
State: 8.12
